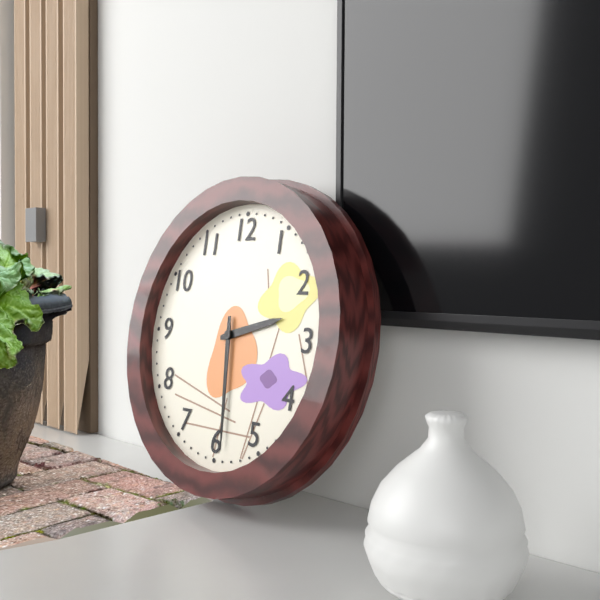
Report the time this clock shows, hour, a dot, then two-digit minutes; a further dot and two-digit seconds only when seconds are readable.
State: 2.29
